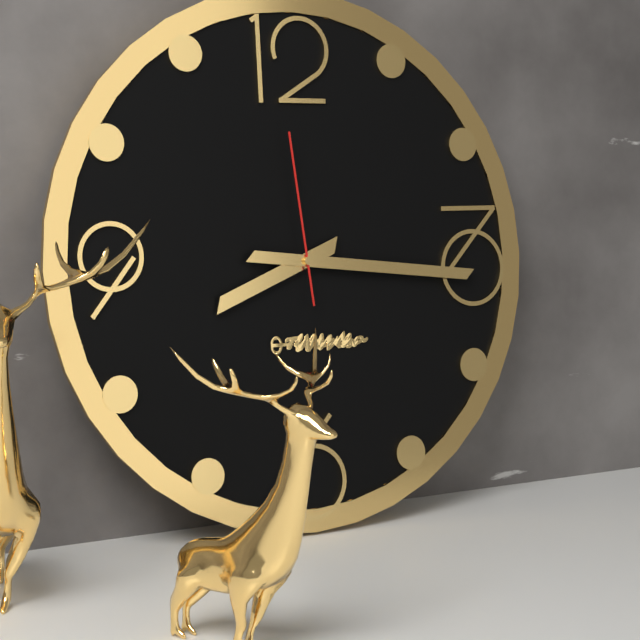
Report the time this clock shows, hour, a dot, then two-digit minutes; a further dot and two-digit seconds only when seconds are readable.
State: 8.16.59
